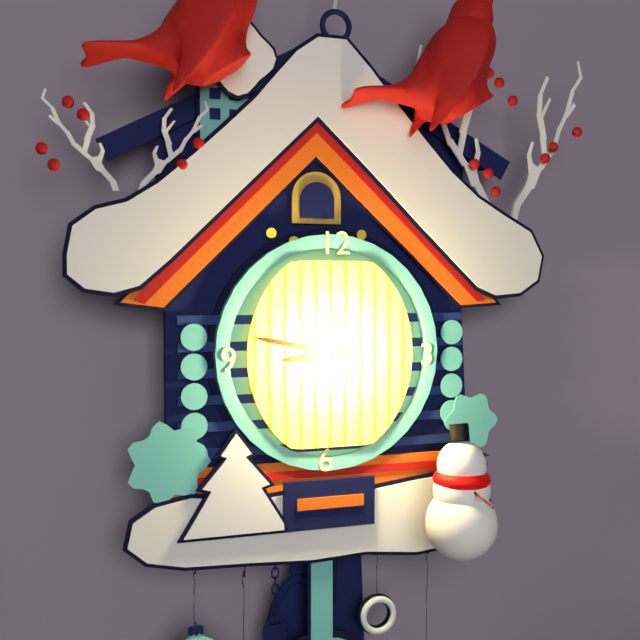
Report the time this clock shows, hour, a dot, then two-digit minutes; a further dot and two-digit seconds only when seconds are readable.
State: 8.47
